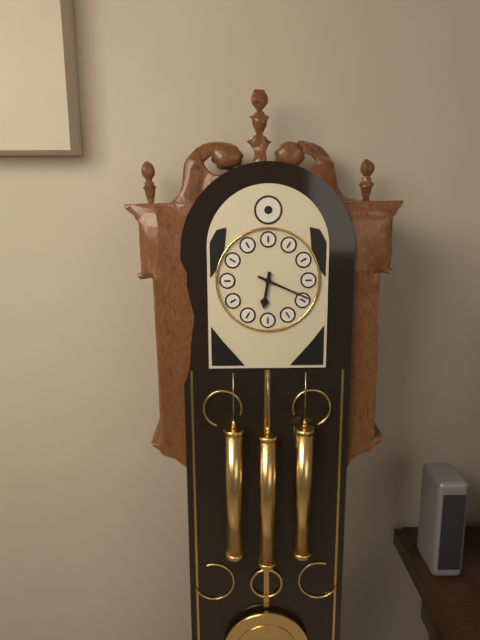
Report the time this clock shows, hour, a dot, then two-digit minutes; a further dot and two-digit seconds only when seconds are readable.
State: 6.19
